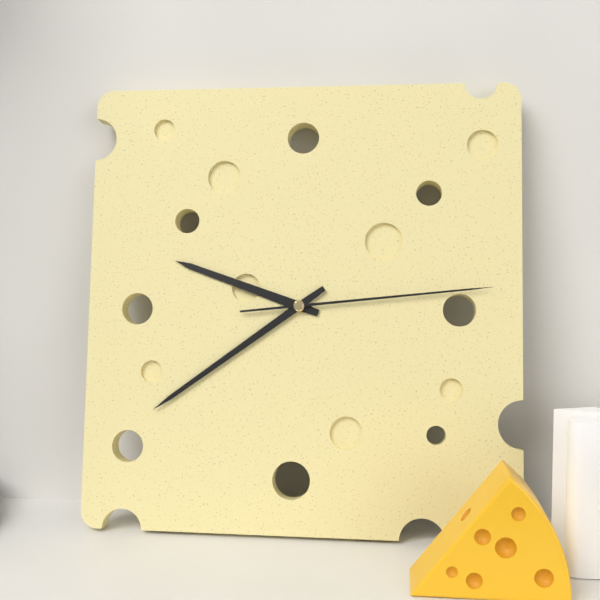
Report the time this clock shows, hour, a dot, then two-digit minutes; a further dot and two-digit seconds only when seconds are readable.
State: 9.39.14
